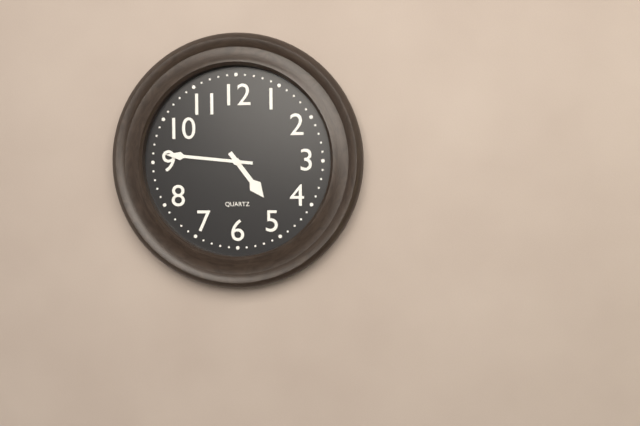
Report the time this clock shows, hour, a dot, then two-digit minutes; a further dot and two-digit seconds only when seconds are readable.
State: 4.46
